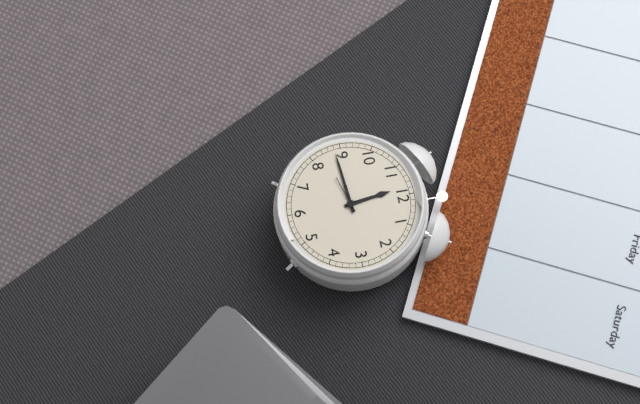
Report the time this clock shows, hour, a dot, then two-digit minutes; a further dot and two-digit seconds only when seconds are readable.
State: 11.44
